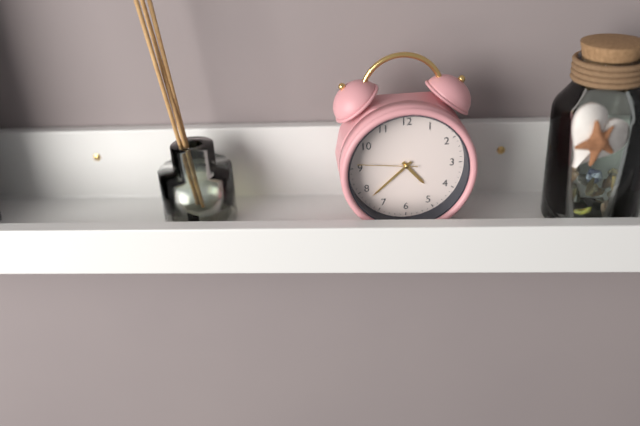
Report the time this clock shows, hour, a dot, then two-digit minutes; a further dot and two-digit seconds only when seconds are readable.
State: 4.38.46
